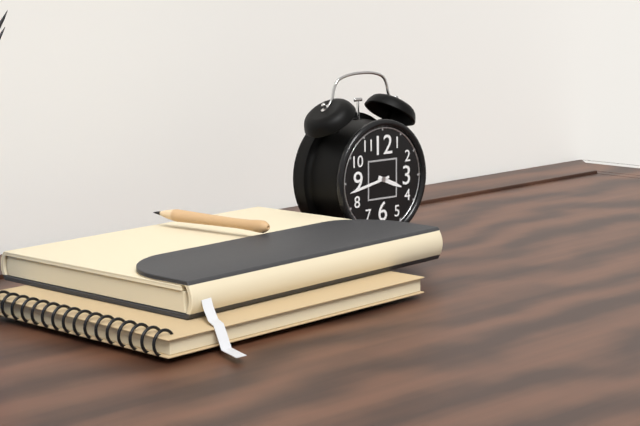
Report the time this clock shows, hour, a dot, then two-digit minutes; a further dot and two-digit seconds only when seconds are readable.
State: 3.43
